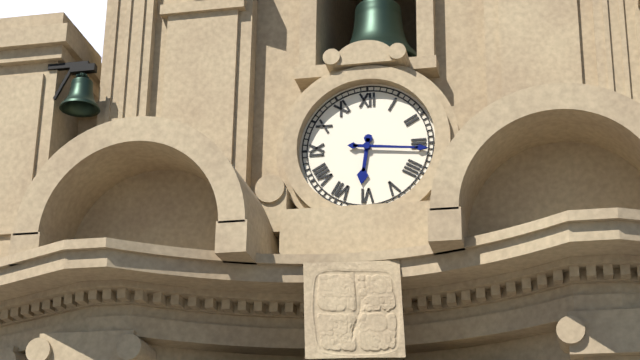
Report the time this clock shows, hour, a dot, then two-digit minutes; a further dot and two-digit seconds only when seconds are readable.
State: 6.16
